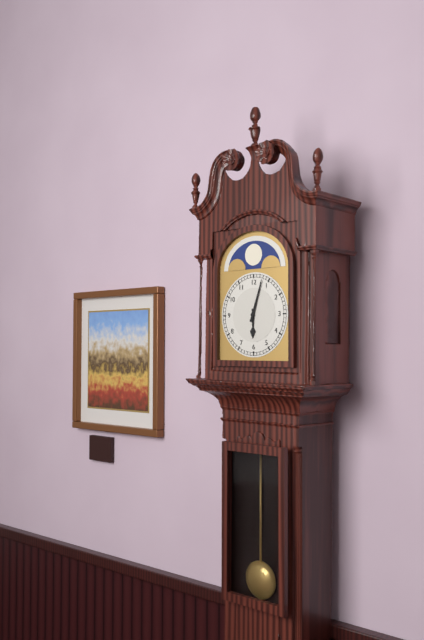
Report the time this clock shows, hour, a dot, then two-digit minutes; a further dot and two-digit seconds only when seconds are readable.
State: 6.03
